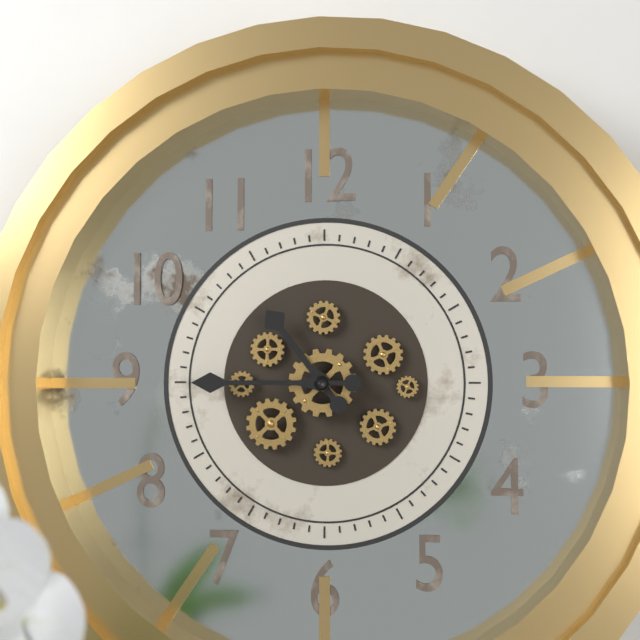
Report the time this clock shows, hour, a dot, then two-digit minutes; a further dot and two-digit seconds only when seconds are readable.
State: 10.45
